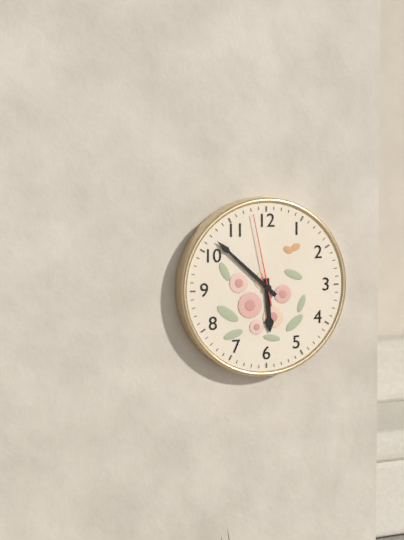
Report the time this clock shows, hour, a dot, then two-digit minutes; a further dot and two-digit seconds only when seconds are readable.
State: 5.52.58
